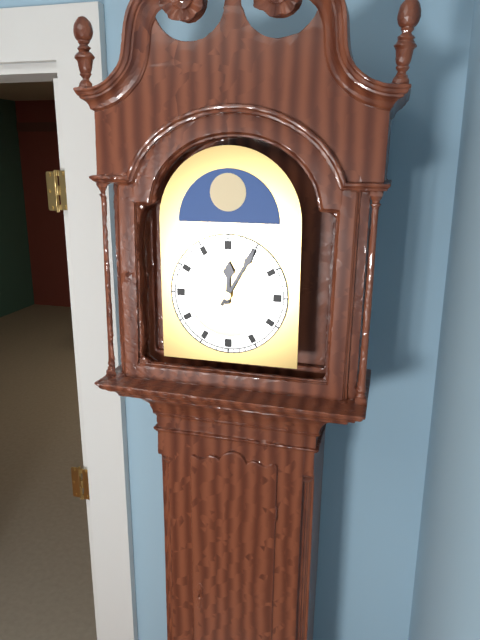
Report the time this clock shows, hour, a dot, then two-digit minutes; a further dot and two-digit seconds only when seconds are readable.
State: 12.05
